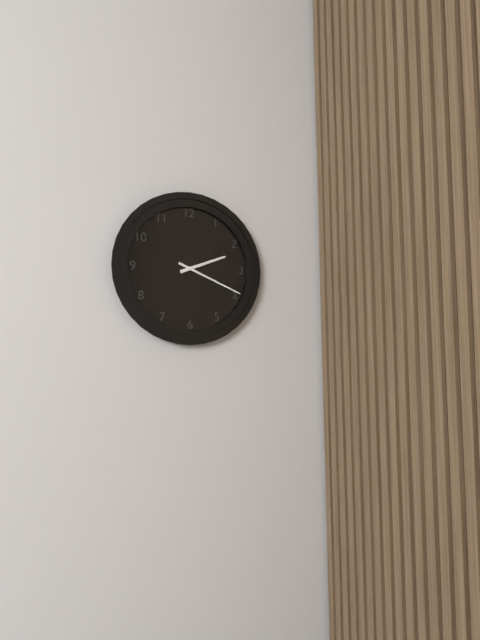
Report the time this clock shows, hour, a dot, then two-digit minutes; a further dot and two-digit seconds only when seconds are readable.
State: 2.19
